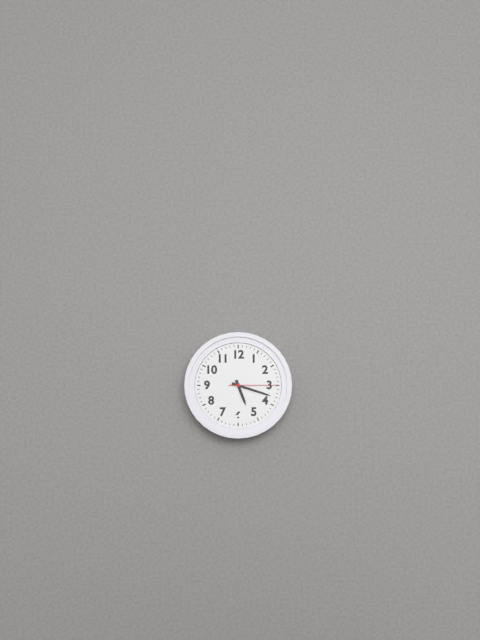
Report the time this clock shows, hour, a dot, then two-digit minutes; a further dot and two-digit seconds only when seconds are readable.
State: 5.18
